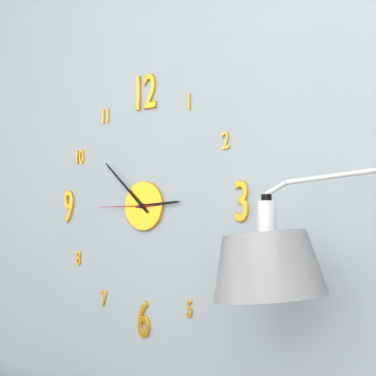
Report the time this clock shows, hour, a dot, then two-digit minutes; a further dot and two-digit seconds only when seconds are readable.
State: 2.52.45
